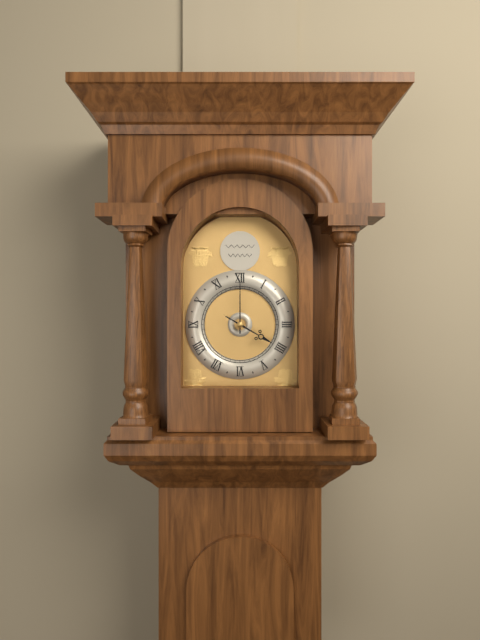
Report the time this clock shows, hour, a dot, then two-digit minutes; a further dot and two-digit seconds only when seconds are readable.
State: 4.00
